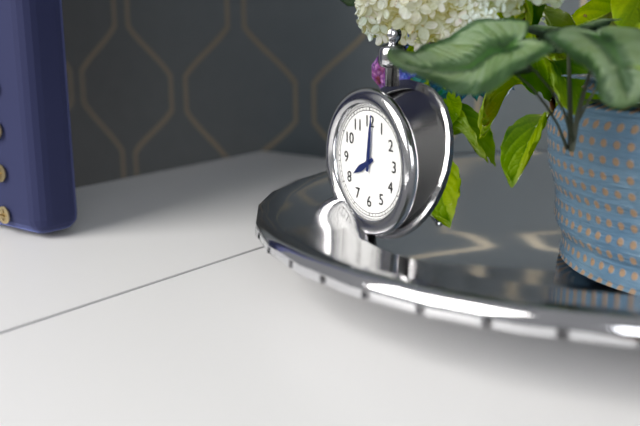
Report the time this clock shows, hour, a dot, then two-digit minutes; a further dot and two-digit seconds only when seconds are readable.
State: 8.01
